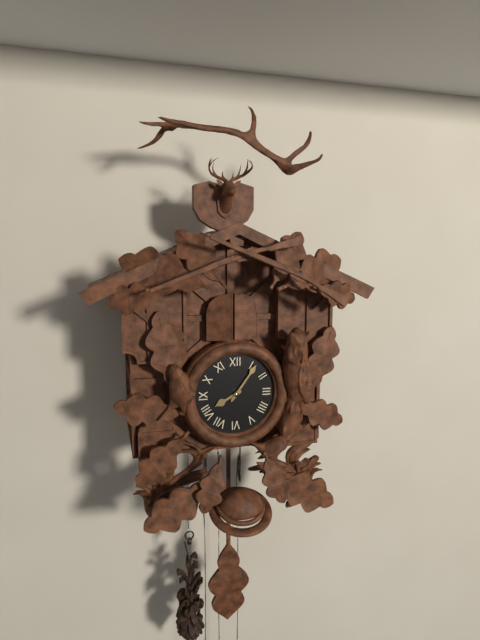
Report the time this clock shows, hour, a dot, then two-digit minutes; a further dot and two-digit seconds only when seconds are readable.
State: 8.06
